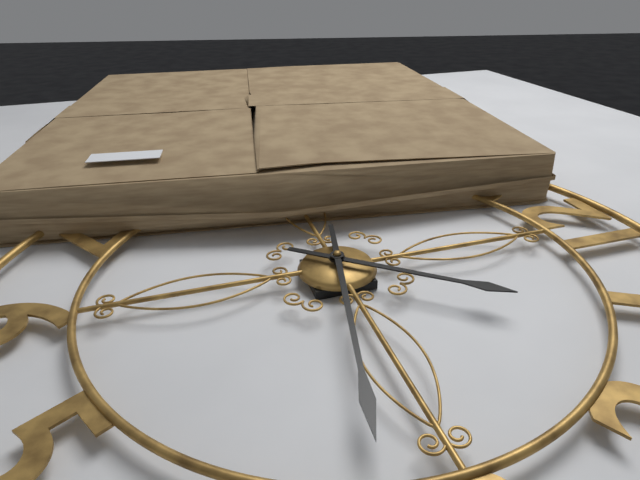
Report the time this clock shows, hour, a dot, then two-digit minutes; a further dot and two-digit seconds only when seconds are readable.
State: 1.17
